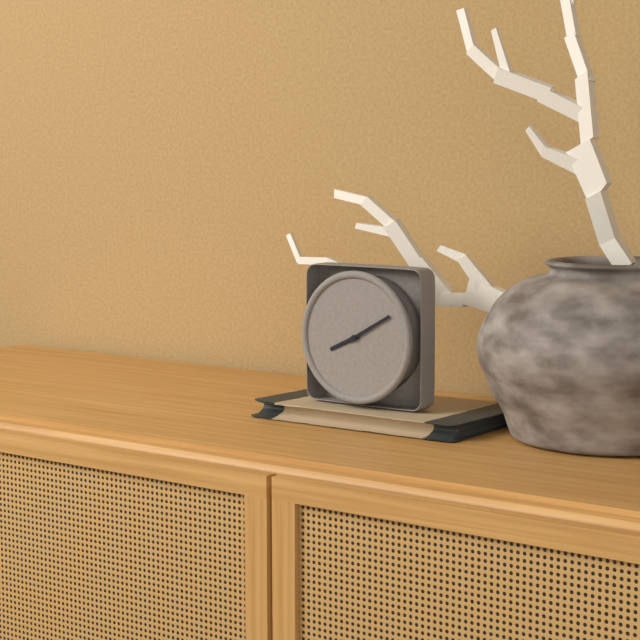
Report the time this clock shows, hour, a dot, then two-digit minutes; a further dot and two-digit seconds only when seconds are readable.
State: 8.10
